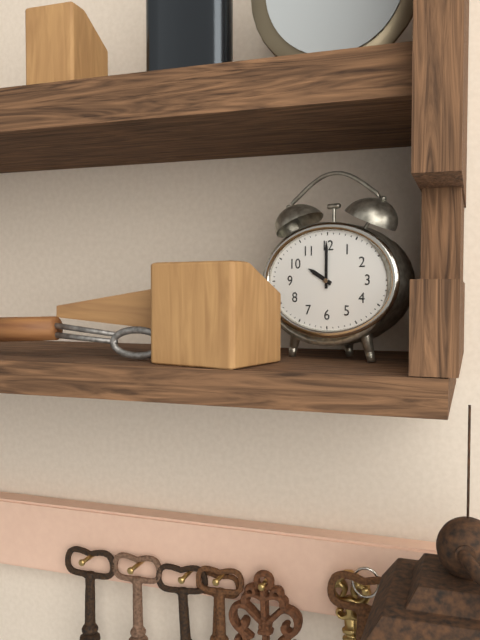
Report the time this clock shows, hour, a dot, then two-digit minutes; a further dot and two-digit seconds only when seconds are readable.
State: 10.00
